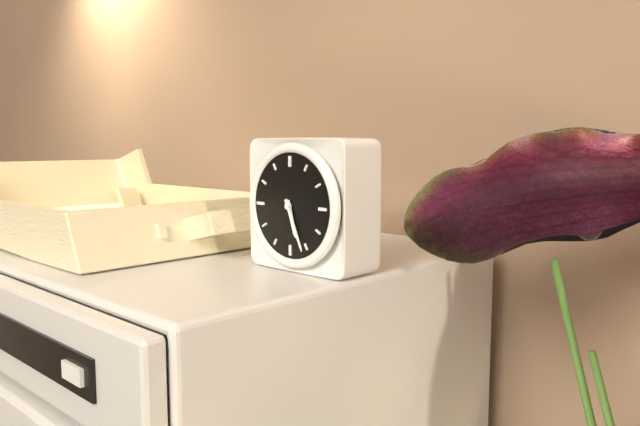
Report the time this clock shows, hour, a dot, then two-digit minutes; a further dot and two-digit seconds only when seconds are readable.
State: 5.26
